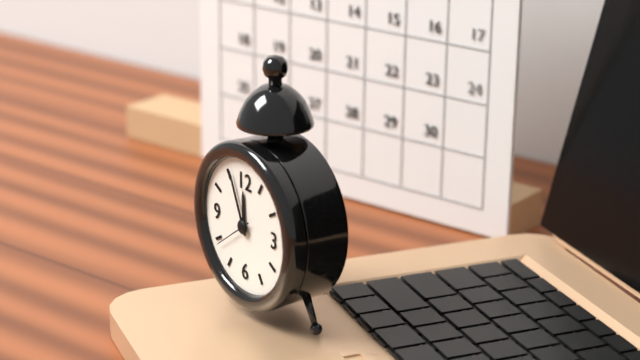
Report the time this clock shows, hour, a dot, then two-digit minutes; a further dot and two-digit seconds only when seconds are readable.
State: 11.56.39
